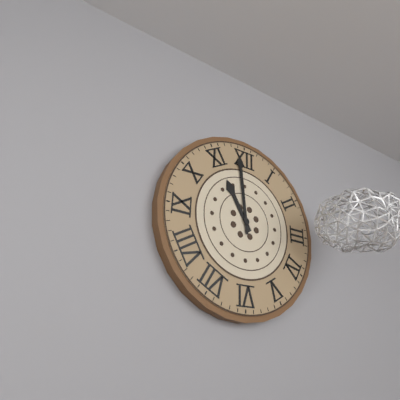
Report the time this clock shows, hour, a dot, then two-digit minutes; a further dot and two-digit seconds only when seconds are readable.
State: 10.59
